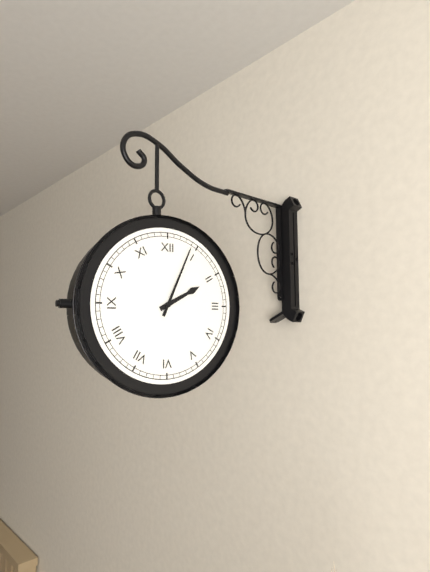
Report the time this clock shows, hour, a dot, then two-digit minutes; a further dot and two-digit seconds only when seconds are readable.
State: 2.04
